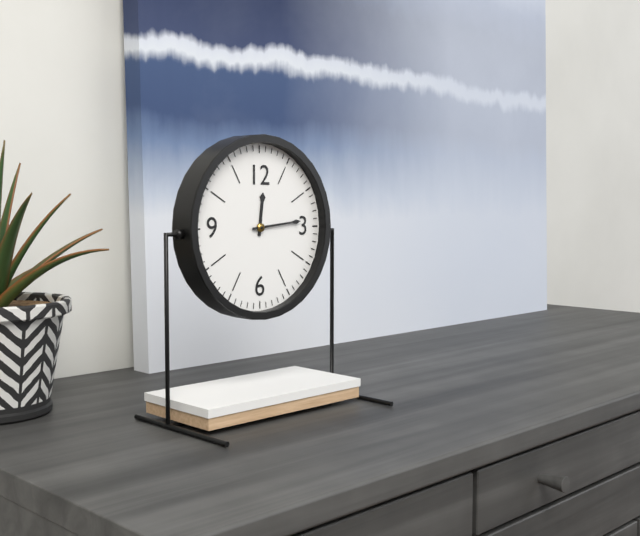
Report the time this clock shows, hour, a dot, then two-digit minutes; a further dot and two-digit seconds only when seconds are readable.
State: 12.14
